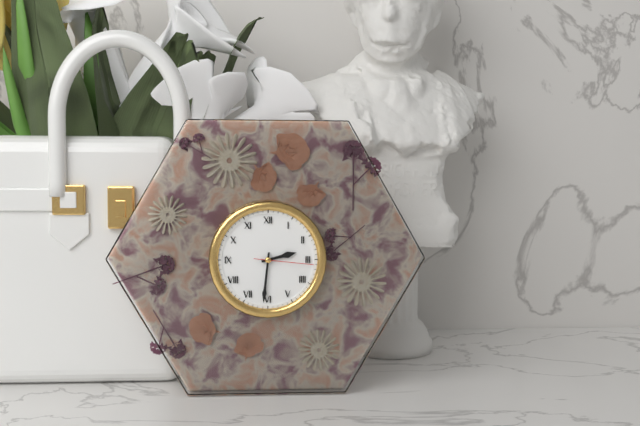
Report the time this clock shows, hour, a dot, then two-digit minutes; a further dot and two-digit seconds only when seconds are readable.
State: 2.31.16
